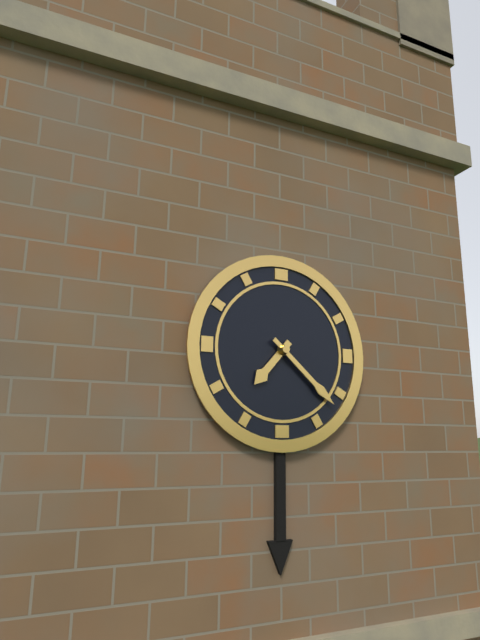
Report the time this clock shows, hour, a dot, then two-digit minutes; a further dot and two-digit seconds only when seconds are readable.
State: 7.22
